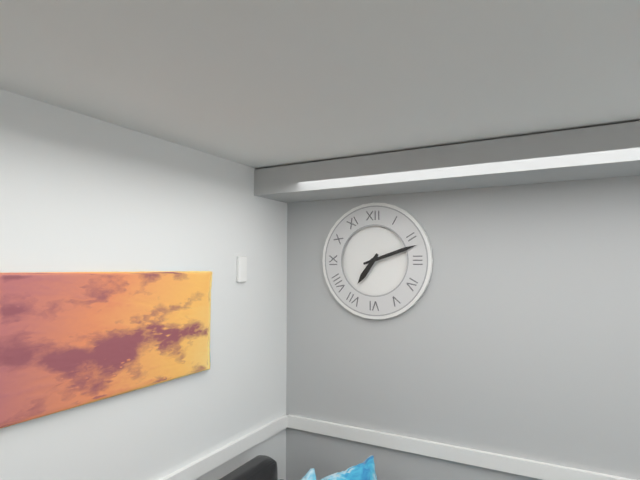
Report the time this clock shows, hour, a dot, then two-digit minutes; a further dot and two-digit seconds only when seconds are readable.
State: 7.12
